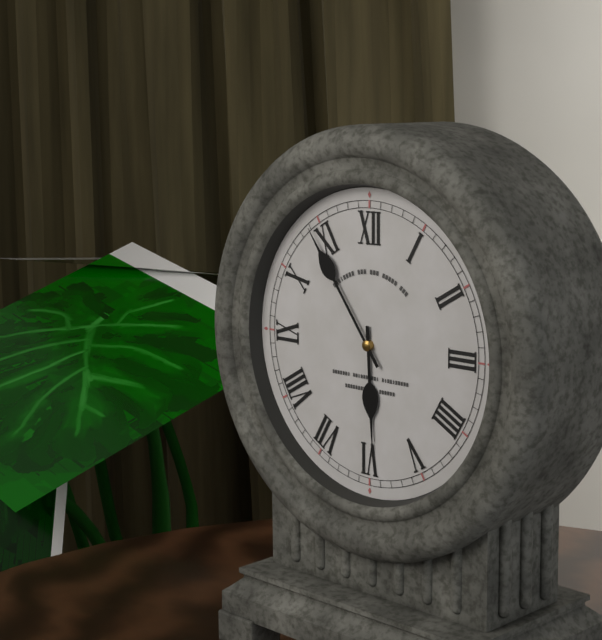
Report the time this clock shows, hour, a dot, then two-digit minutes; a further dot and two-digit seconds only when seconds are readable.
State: 5.54
